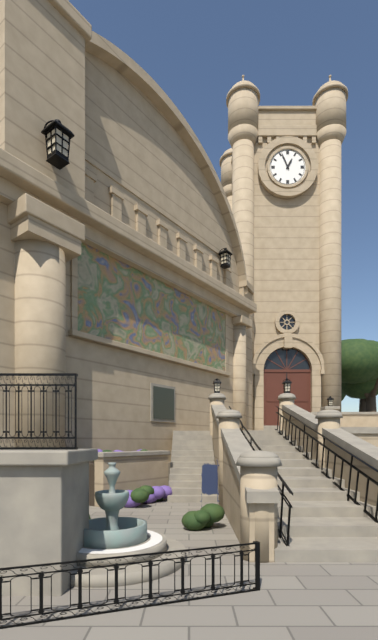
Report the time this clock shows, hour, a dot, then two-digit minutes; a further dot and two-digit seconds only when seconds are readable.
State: 12.56
